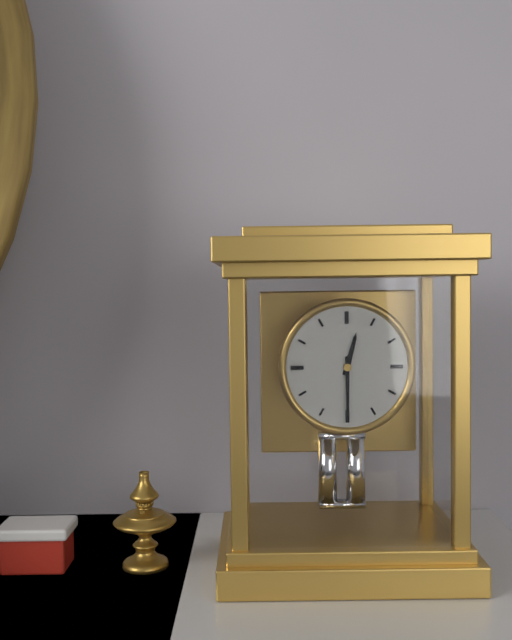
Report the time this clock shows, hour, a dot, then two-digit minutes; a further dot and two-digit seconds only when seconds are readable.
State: 12.30
